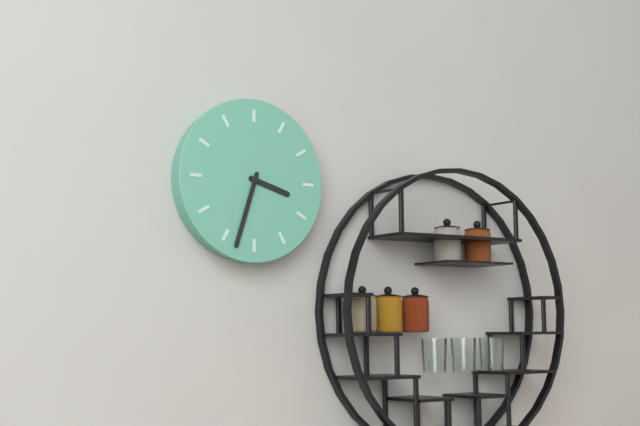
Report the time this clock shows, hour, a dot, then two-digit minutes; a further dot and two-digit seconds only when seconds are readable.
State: 3.33
